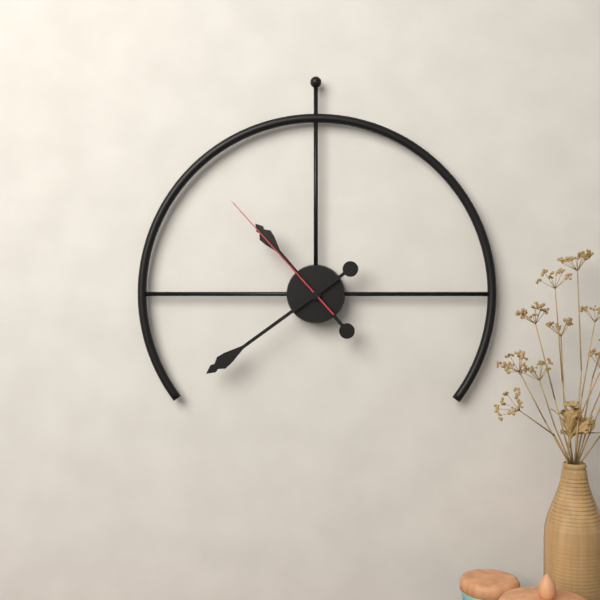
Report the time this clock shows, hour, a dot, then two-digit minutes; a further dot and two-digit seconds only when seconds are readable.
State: 10.39.53
